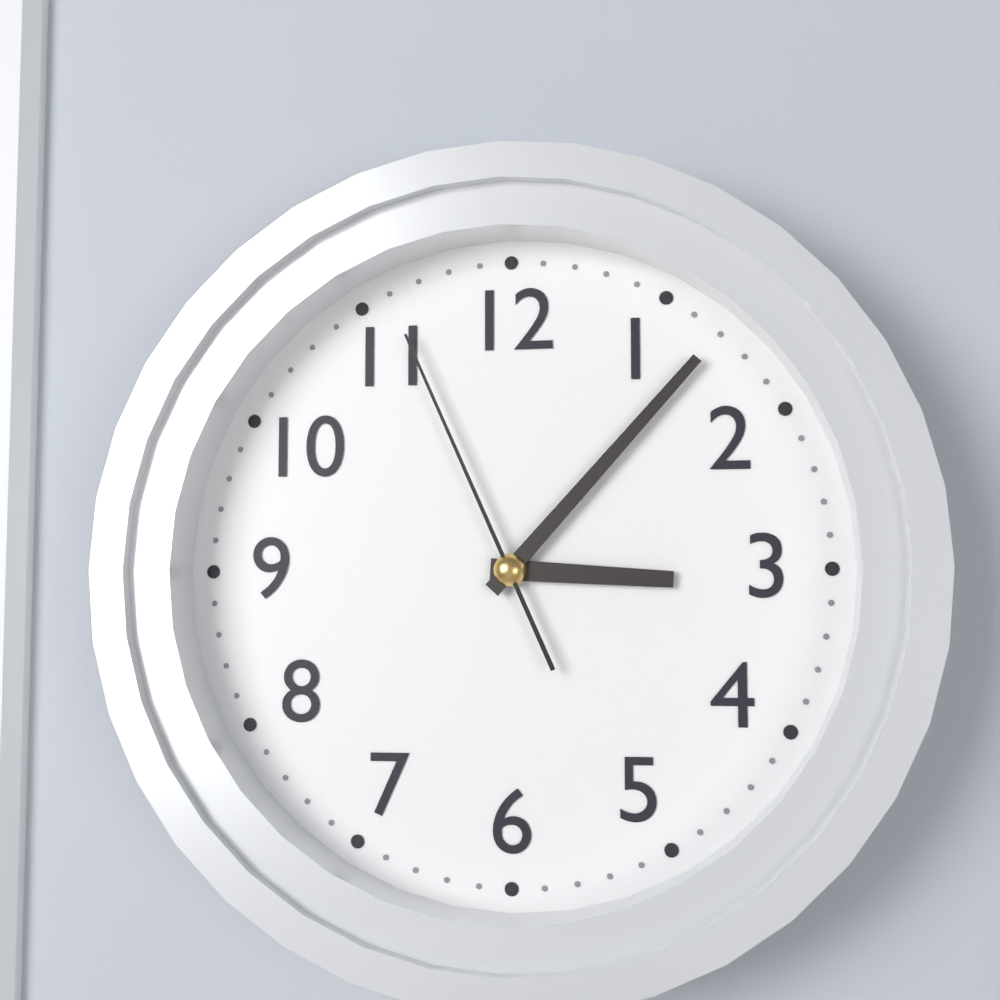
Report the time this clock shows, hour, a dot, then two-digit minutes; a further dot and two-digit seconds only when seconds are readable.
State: 3.07.56
